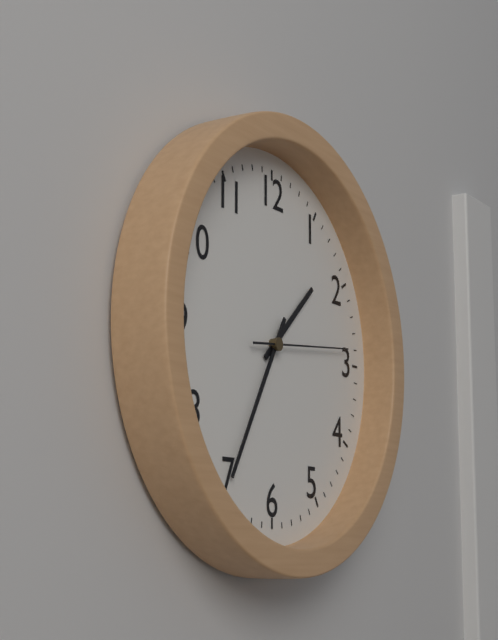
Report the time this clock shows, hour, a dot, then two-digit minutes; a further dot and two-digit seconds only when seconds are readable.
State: 1.35.14
